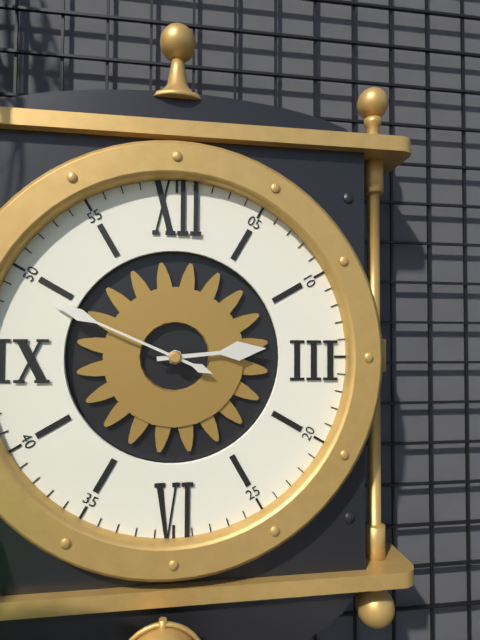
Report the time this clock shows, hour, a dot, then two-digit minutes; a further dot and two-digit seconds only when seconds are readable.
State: 2.49
